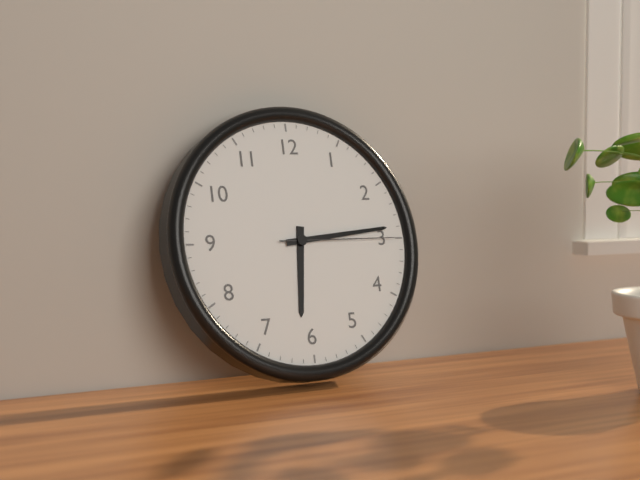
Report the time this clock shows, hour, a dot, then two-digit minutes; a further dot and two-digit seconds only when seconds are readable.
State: 6.14.15
